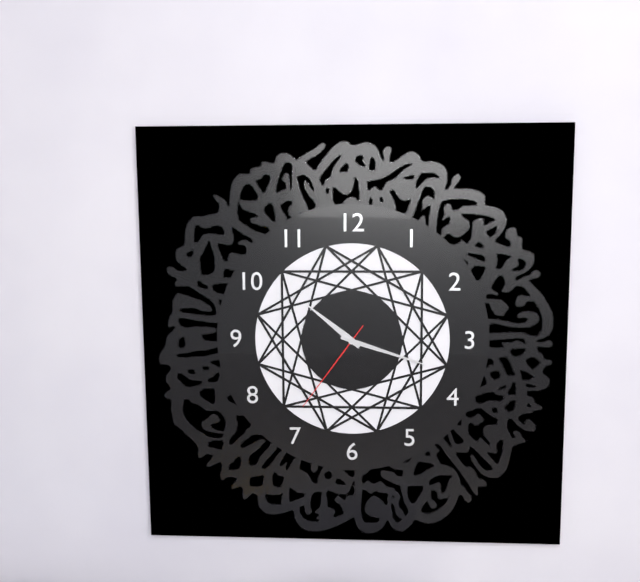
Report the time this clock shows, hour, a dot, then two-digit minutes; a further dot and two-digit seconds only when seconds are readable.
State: 10.18.36
